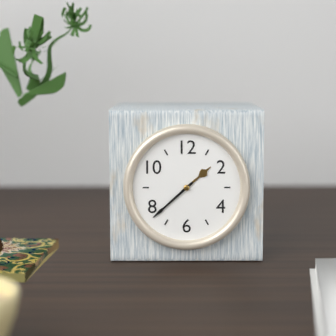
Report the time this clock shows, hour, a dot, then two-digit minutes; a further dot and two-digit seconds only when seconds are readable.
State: 1.38
